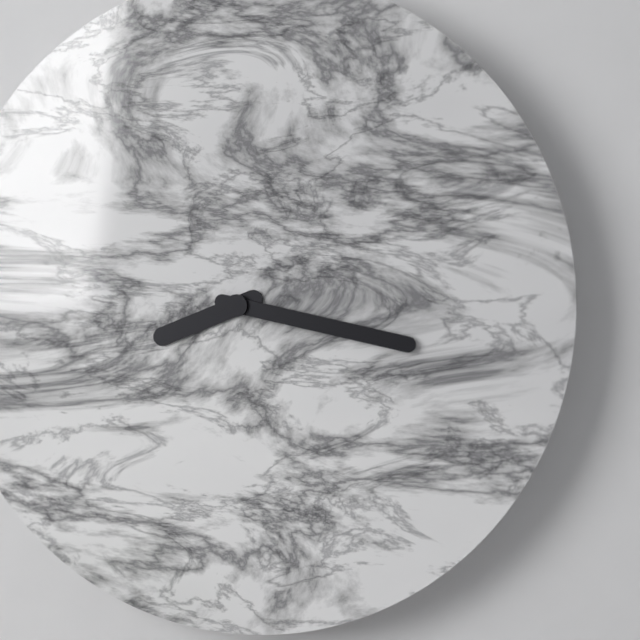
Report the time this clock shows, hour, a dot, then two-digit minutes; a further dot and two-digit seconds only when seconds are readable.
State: 8.17
